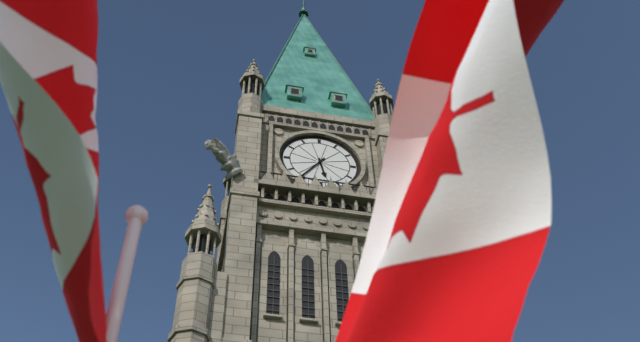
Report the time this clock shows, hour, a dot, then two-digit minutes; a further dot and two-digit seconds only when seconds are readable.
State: 5.36
